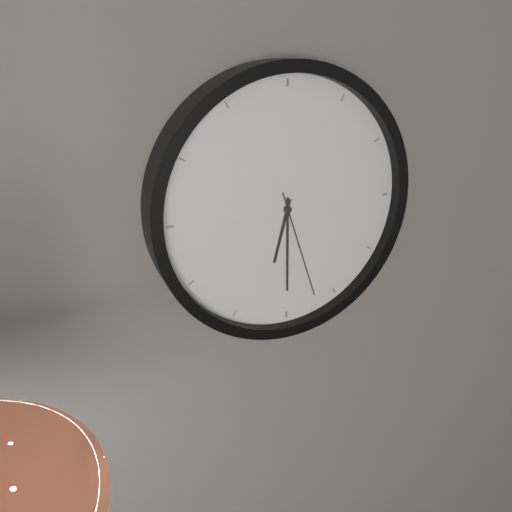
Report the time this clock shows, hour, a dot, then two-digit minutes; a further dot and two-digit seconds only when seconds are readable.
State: 6.30.27
